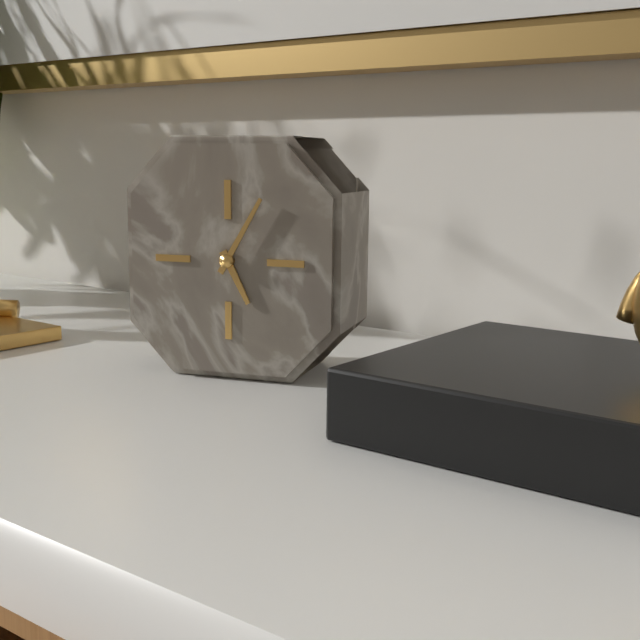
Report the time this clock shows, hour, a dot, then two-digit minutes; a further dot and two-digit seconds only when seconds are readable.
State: 5.05
